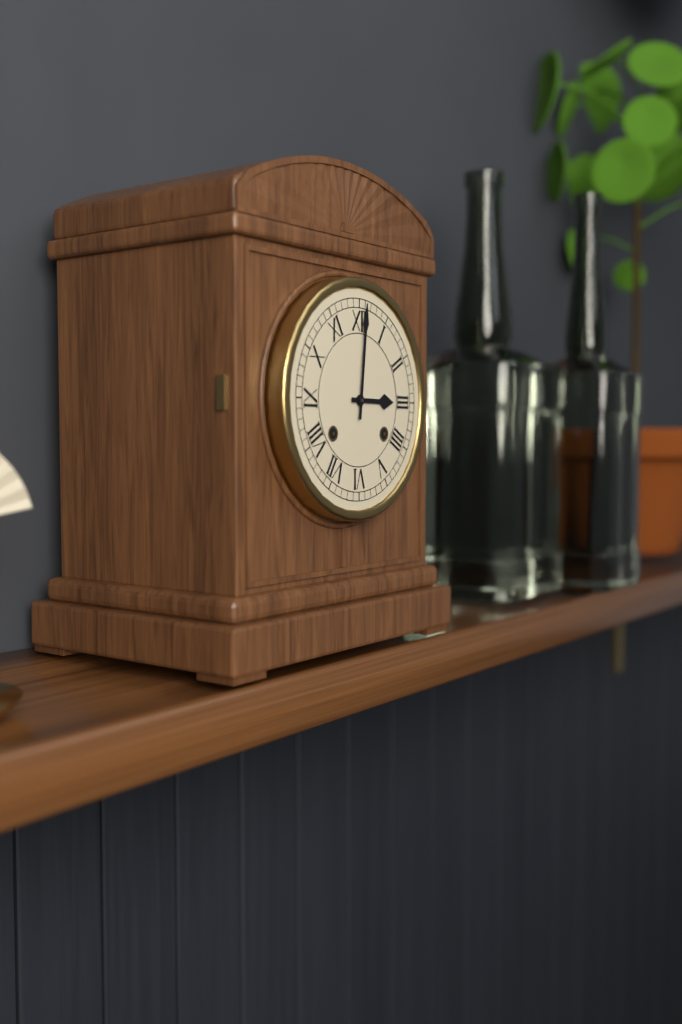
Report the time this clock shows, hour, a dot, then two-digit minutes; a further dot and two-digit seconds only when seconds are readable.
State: 3.01
